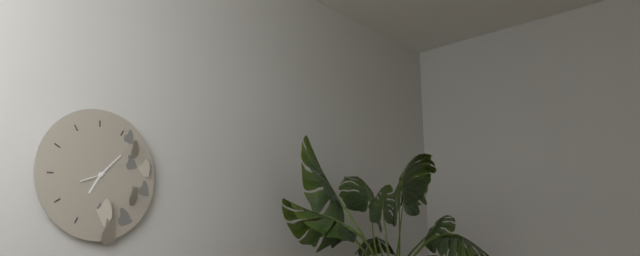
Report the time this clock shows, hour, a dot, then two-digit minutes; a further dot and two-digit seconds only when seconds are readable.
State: 7.08
